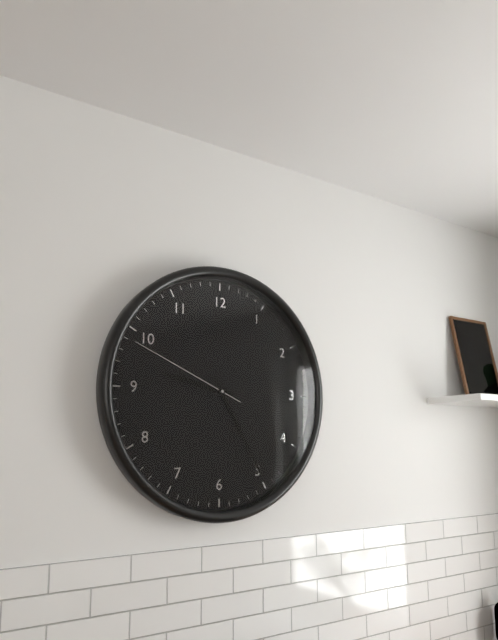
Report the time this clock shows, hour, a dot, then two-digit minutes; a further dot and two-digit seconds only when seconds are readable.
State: 9.25.49
